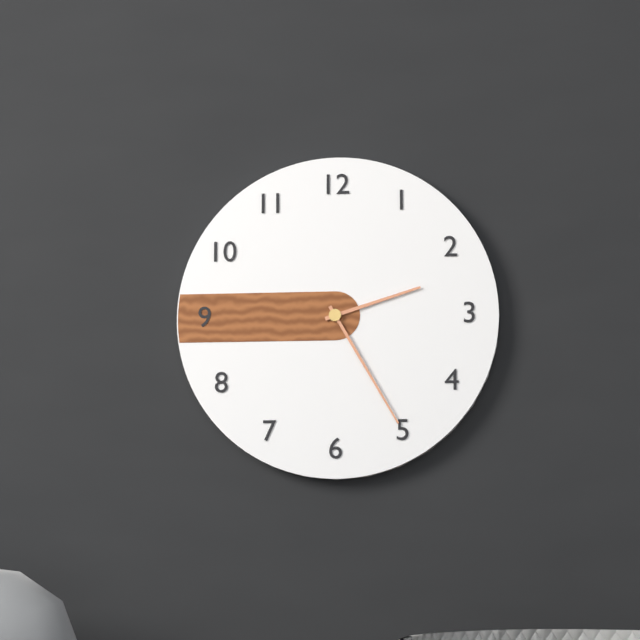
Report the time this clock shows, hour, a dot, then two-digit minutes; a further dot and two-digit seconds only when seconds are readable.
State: 2.25
